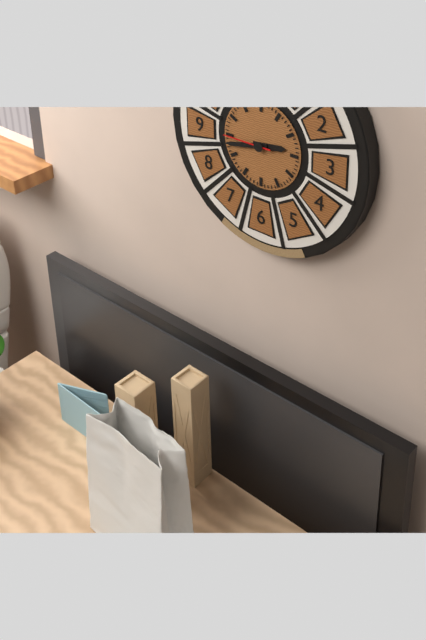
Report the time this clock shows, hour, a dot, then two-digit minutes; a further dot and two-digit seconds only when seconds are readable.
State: 2.43
